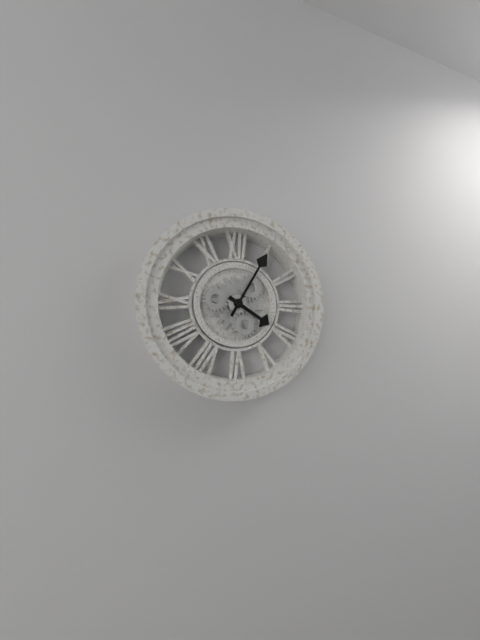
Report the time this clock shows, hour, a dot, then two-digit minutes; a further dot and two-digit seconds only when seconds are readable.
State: 4.05
